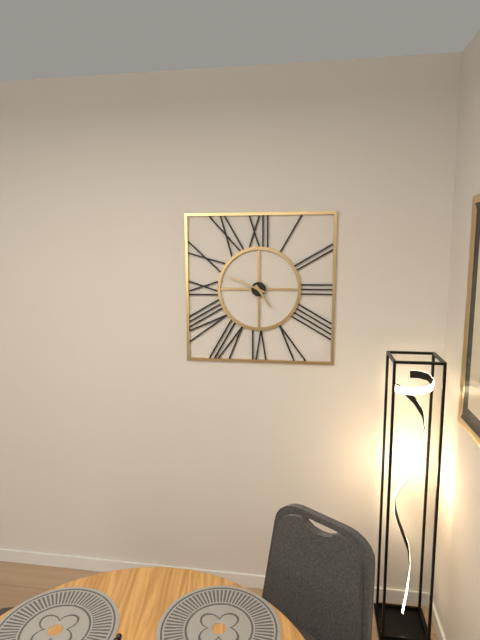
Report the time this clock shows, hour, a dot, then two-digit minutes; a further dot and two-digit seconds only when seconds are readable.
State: 4.49
